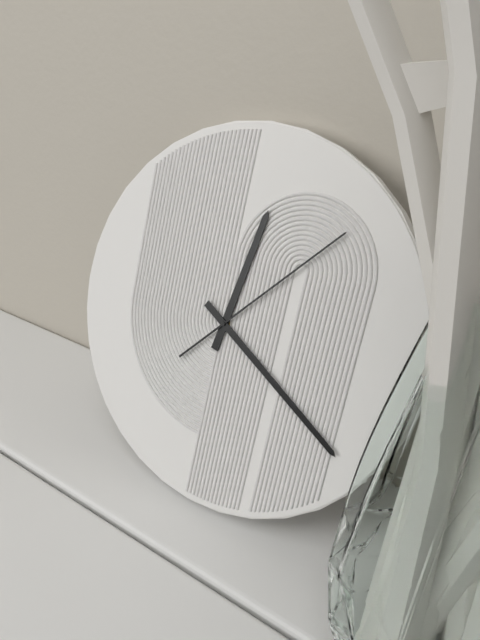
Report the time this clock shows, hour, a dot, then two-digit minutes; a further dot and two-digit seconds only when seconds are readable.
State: 12.20.07
